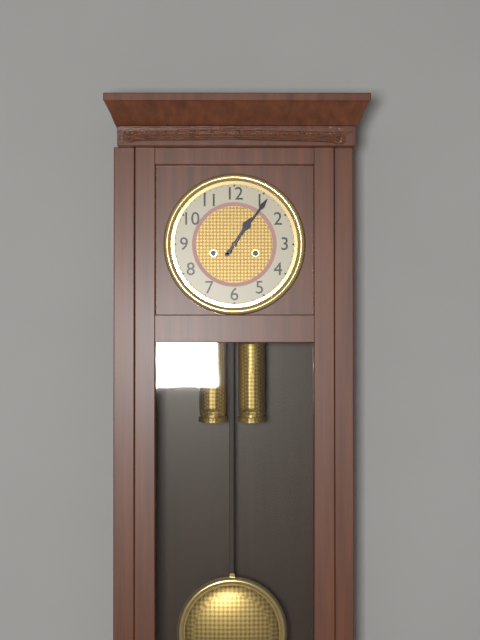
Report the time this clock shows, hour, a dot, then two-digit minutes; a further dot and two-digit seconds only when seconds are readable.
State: 1.06
